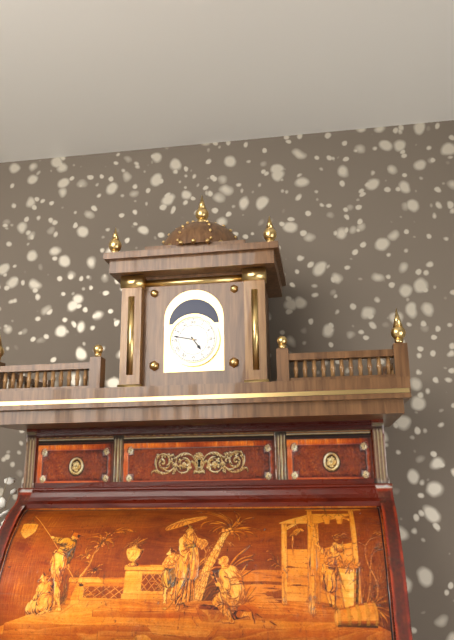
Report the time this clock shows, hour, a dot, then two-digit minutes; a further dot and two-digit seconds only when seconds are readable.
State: 4.47
